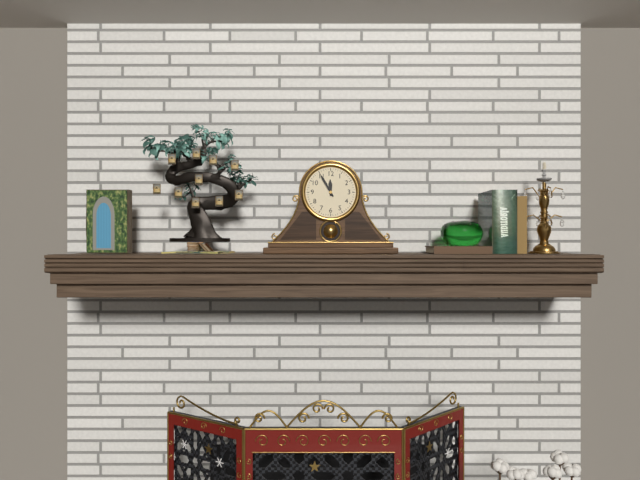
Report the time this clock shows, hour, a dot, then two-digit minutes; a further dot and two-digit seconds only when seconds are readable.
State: 11.55
